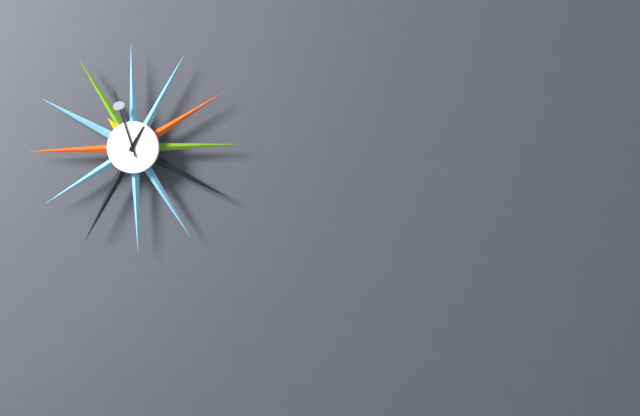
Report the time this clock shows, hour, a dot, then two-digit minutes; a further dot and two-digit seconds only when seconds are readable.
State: 12.57
